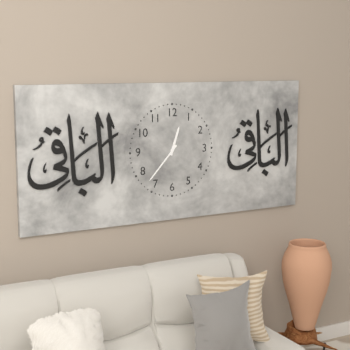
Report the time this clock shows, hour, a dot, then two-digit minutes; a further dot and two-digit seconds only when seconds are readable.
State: 12.37
